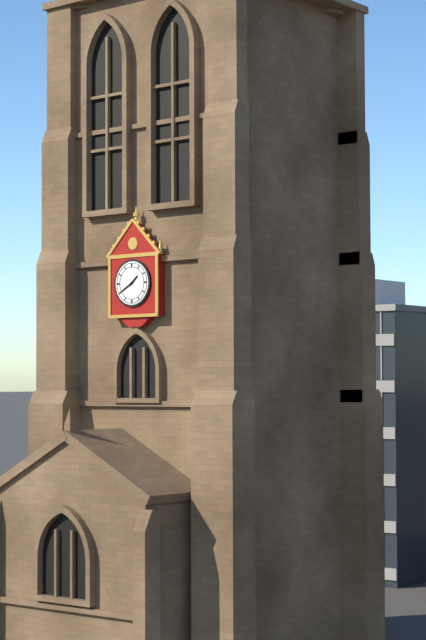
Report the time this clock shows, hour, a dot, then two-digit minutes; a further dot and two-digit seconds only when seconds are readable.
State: 1.40
